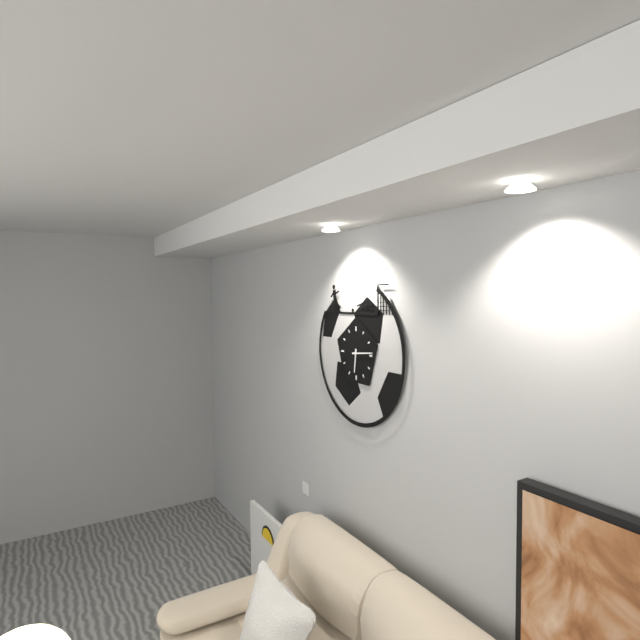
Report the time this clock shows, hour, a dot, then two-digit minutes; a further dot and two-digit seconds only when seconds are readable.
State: 6.14
